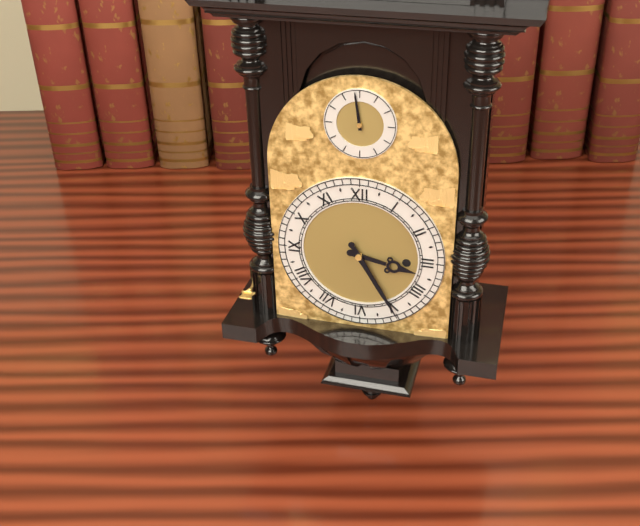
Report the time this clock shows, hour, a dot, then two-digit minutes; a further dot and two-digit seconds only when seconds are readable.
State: 3.25
